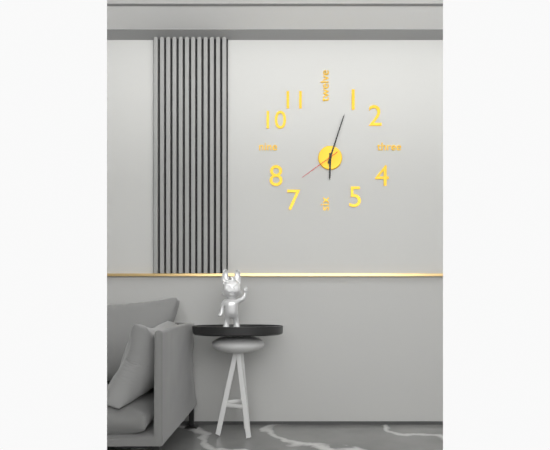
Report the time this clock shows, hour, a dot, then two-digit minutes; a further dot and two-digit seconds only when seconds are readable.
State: 6.03
